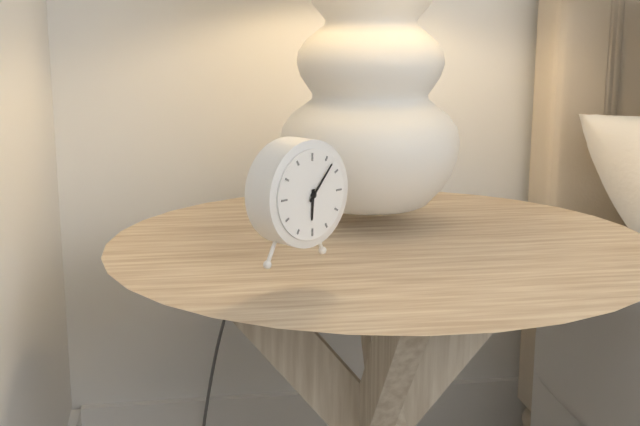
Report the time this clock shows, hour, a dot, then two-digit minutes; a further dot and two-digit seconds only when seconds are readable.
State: 6.07
